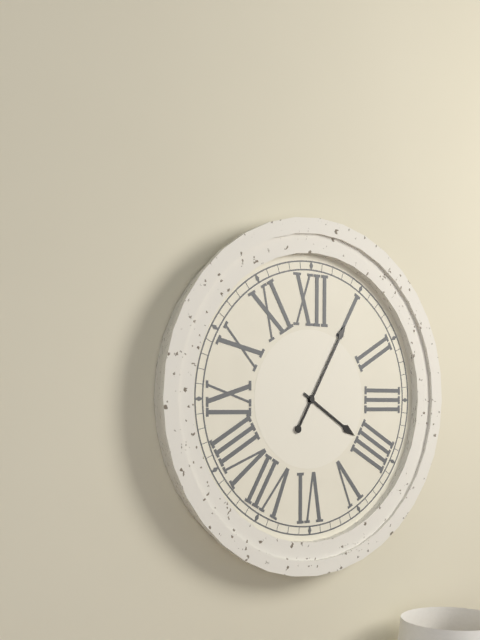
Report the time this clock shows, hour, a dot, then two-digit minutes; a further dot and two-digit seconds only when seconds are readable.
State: 4.05
